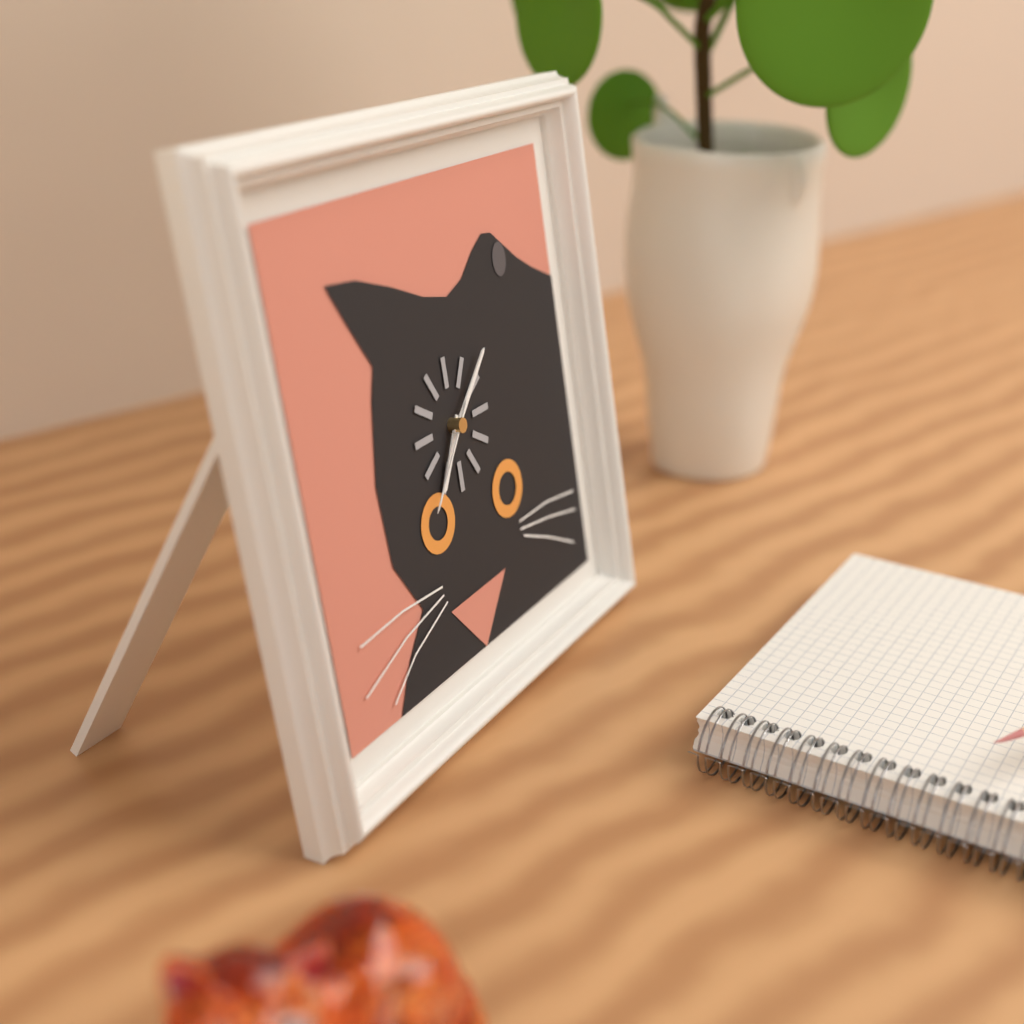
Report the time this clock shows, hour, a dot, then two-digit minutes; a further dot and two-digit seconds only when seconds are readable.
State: 7.08.37
